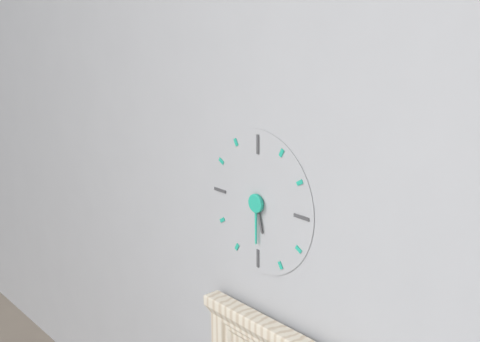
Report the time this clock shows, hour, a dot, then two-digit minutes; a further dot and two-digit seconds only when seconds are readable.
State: 5.30
